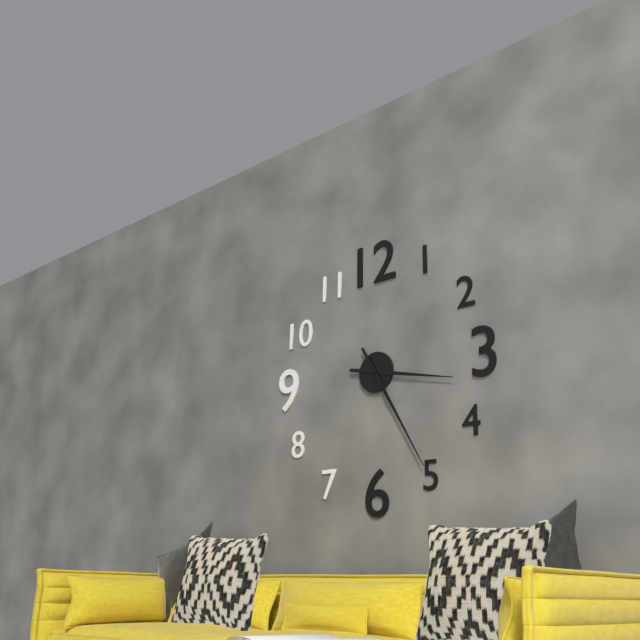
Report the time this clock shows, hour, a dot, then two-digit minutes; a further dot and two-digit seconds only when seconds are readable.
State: 3.25
